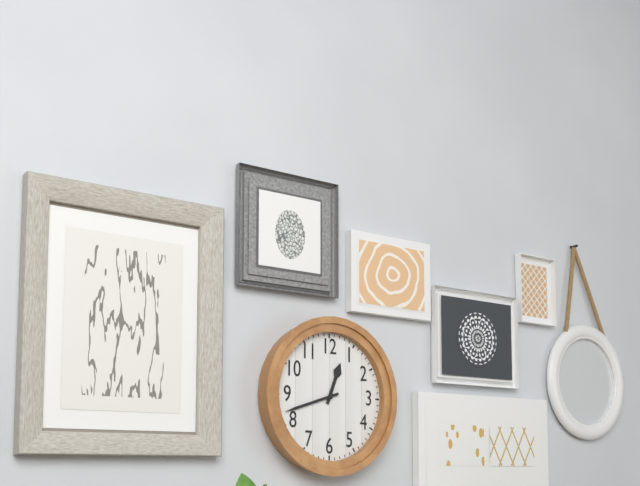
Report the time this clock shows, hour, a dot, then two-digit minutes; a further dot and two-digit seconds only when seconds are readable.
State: 12.42
